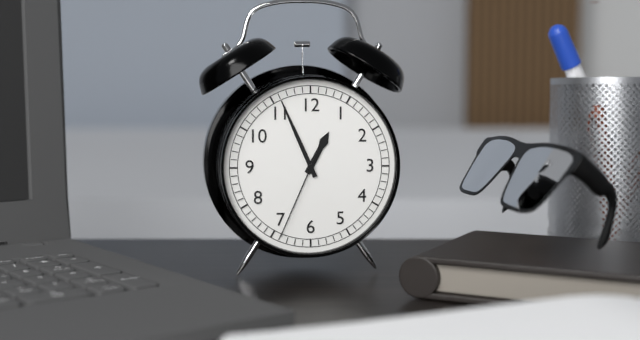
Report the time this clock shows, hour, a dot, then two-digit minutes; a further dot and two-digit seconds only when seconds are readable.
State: 12.56.34
